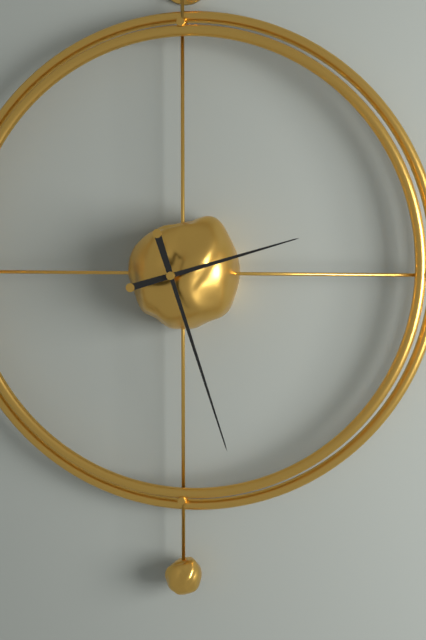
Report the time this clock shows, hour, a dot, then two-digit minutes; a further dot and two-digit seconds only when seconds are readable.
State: 2.27
